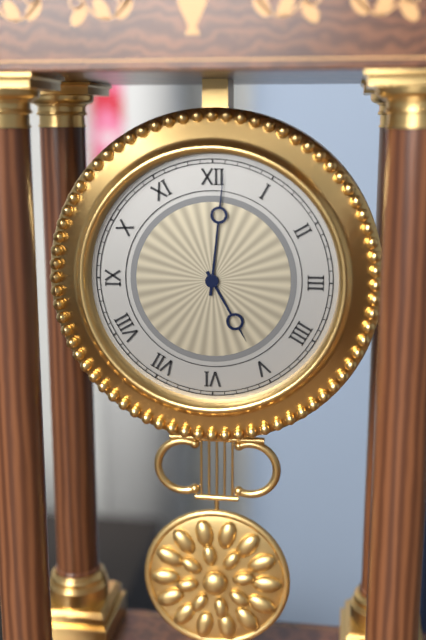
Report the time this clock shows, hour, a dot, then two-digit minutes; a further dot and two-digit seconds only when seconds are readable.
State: 5.01
